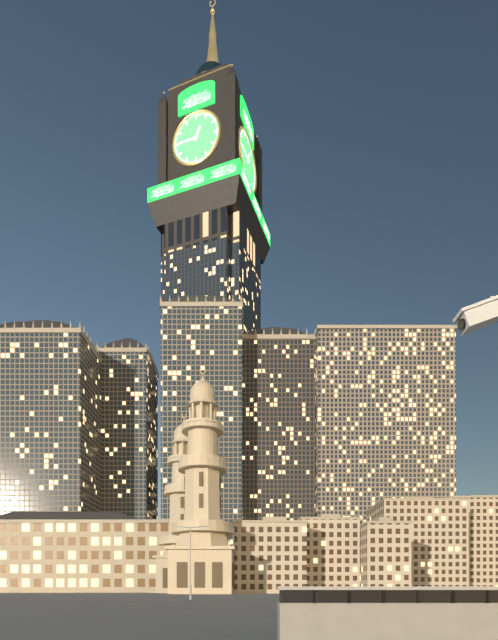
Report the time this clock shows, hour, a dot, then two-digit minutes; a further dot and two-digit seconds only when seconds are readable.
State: 12.45
